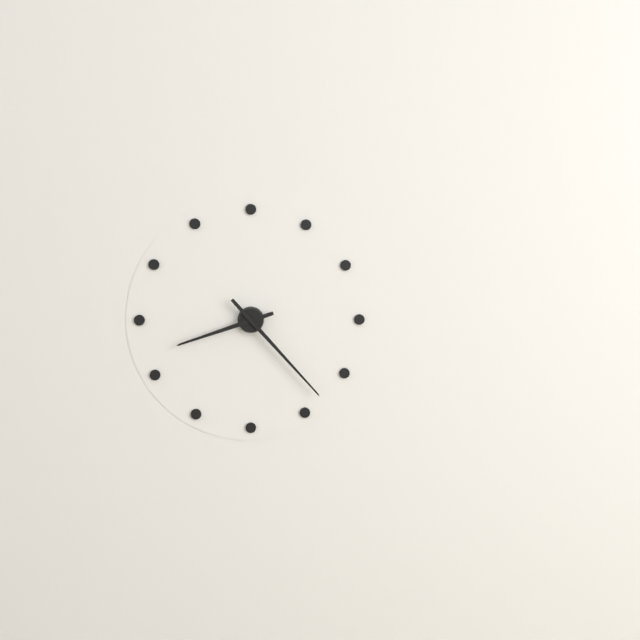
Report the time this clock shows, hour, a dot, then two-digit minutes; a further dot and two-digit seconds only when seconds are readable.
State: 8.23
